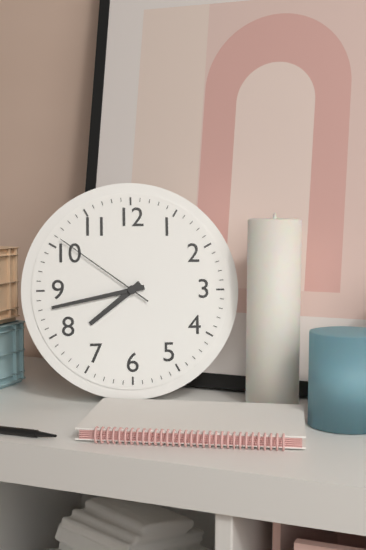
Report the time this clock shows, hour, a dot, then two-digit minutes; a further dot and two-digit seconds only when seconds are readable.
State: 7.43.51
